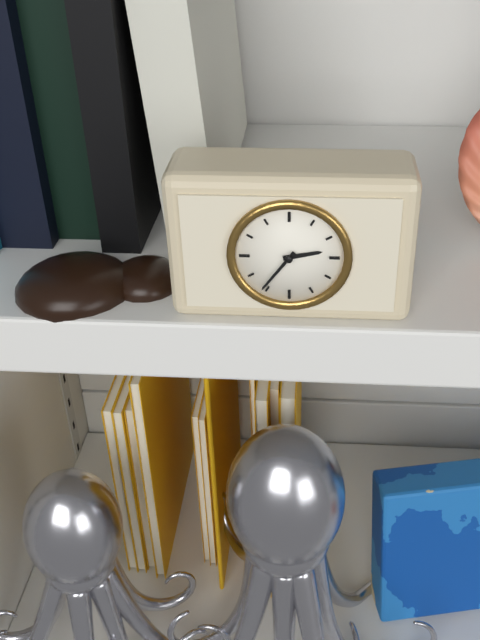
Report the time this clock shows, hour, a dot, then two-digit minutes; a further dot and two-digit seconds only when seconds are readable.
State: 2.36
